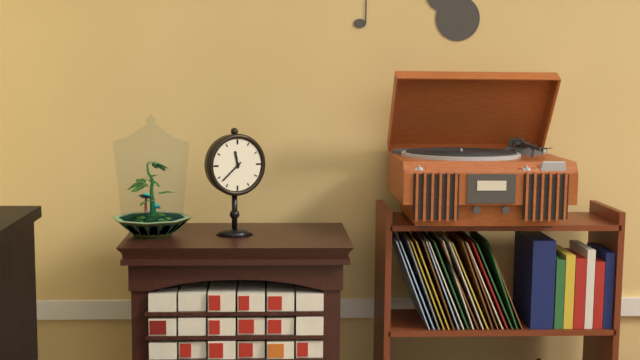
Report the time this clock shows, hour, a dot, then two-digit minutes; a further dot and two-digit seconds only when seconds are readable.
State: 11.38
